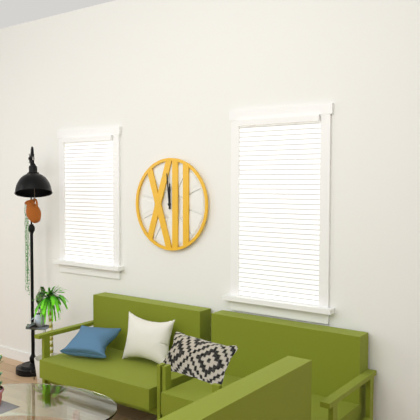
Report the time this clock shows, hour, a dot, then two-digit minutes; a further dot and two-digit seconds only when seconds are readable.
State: 11.59
